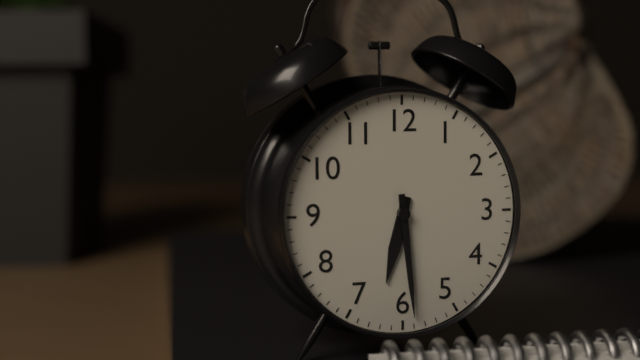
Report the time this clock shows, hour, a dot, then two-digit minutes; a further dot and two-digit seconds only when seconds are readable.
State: 6.29
